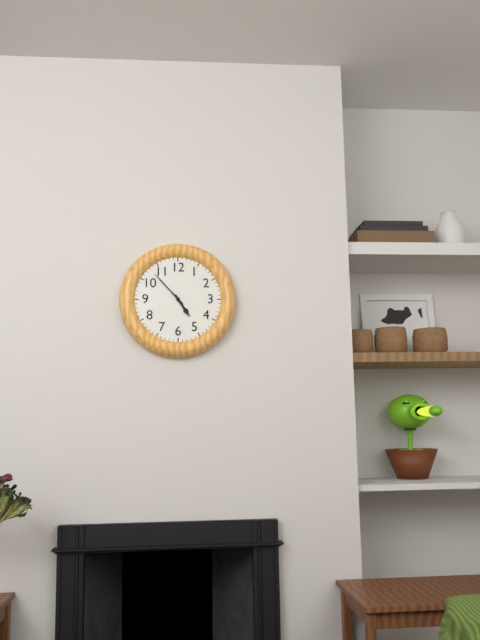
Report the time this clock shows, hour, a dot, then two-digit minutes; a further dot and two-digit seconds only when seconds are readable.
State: 4.53
